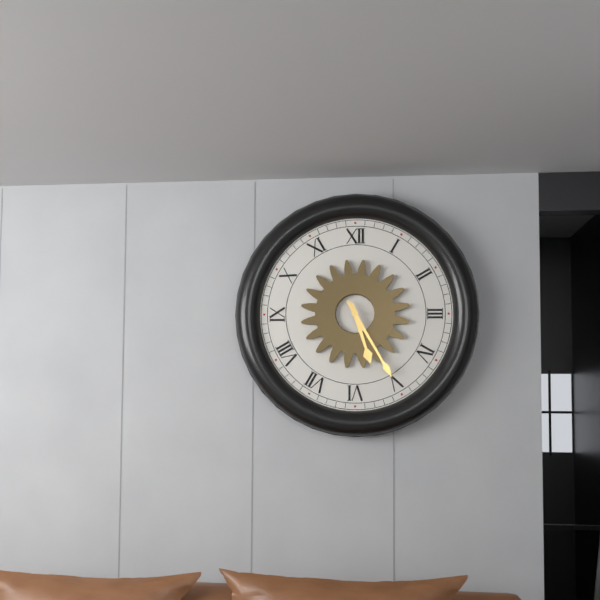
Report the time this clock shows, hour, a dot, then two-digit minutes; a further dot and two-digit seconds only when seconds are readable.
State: 5.25
